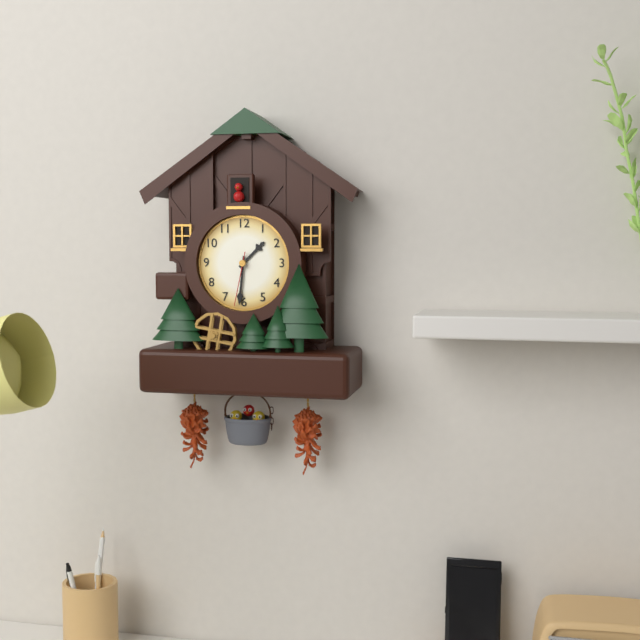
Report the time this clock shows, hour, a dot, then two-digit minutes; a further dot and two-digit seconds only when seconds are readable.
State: 1.31.32
